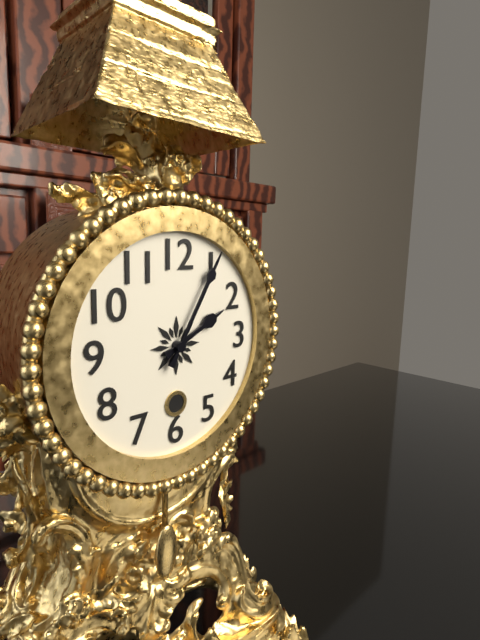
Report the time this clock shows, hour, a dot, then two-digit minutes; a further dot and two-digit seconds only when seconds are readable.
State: 2.05
